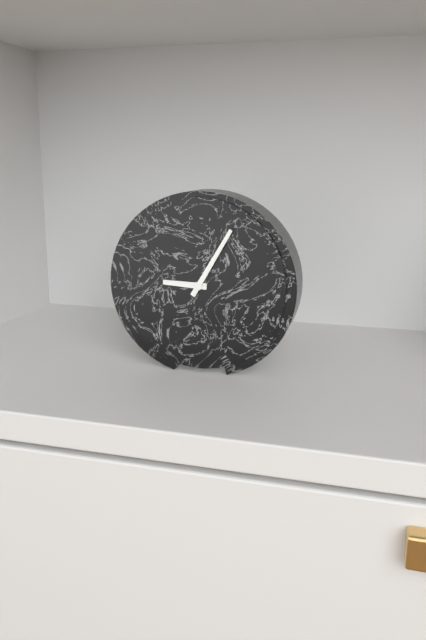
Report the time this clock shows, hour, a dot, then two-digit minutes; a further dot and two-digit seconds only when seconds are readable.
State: 9.05
